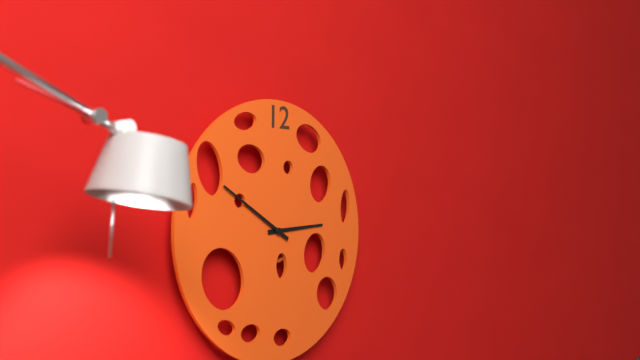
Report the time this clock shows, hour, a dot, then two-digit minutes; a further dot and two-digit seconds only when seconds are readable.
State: 2.50
